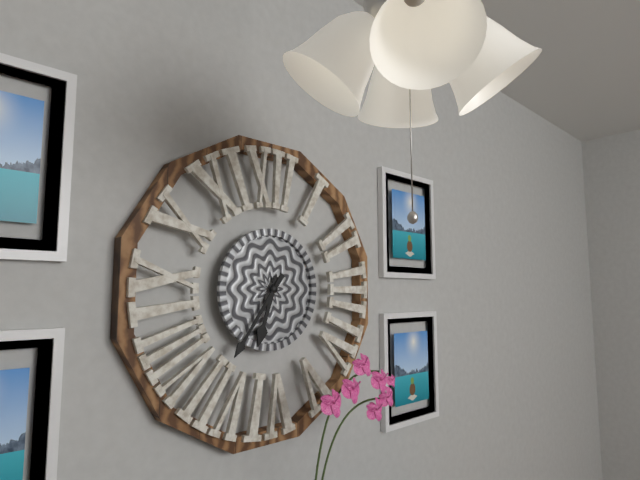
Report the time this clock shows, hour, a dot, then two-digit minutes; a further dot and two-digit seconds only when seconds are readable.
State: 6.36
